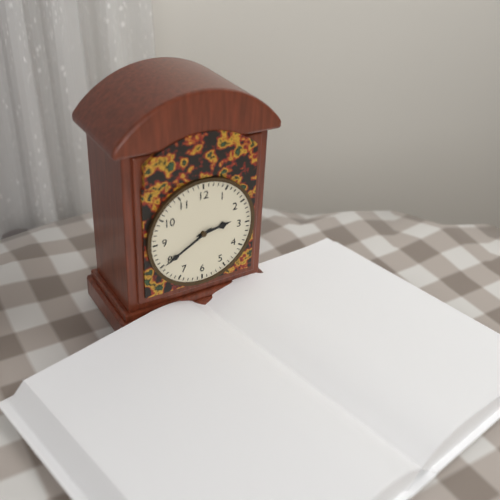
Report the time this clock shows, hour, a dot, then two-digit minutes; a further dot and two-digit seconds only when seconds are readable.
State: 2.40
